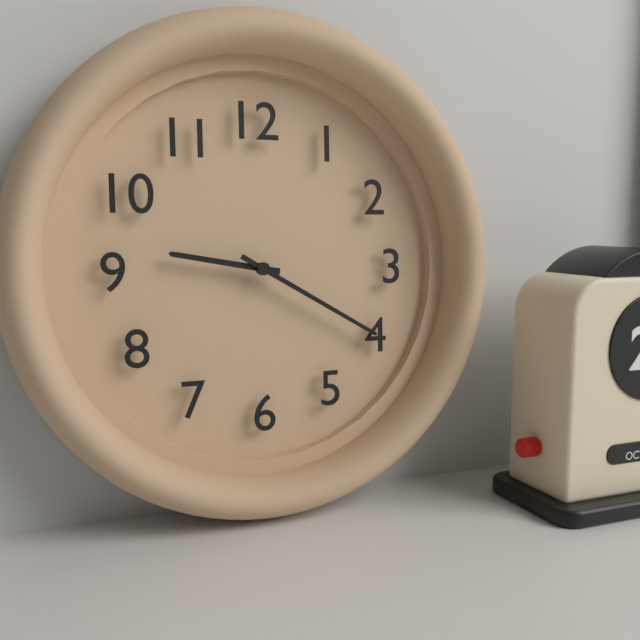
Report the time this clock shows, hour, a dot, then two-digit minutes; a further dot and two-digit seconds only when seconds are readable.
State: 9.20
